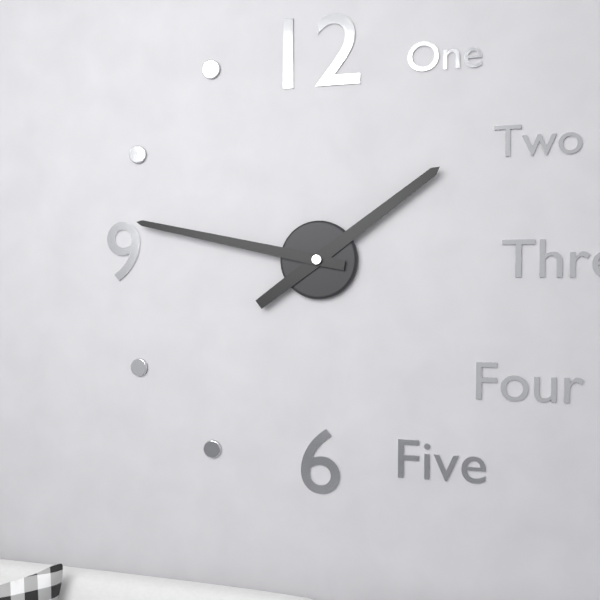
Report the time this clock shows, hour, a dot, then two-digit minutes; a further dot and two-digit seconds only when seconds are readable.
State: 1.47
